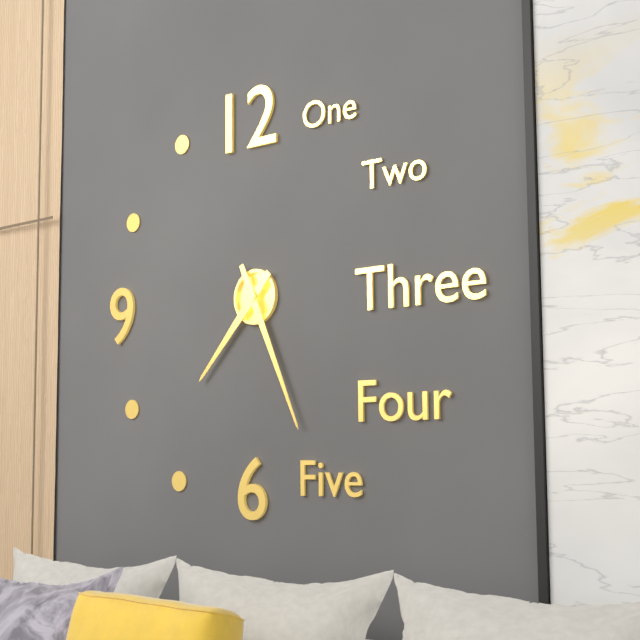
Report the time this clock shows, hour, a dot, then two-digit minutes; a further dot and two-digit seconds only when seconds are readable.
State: 7.26
